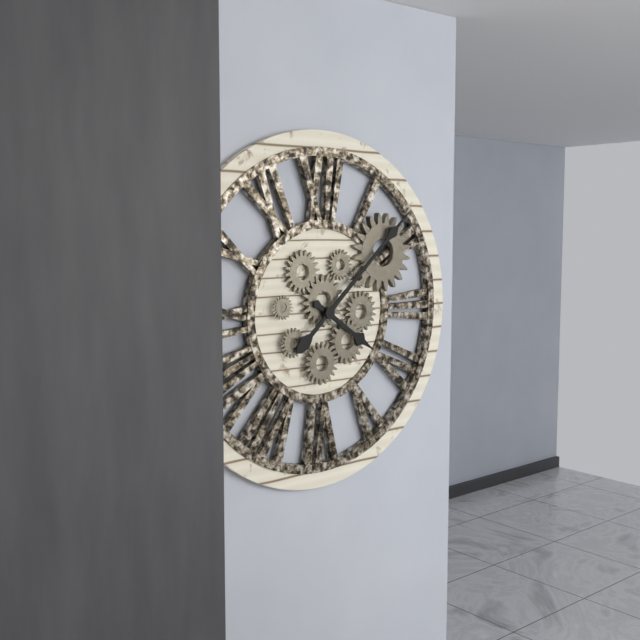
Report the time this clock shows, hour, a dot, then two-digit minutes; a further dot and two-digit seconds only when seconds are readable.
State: 4.08
